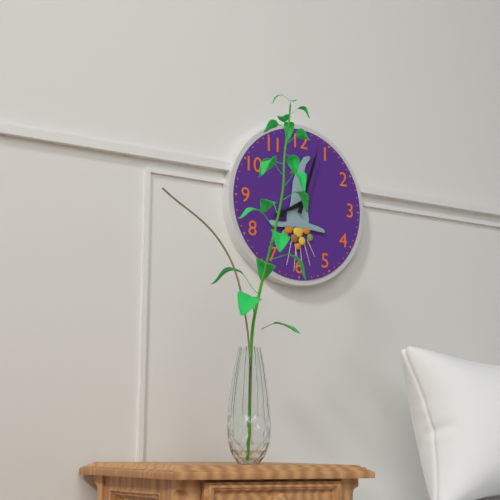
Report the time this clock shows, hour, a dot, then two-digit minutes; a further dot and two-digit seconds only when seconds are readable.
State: 8.03
